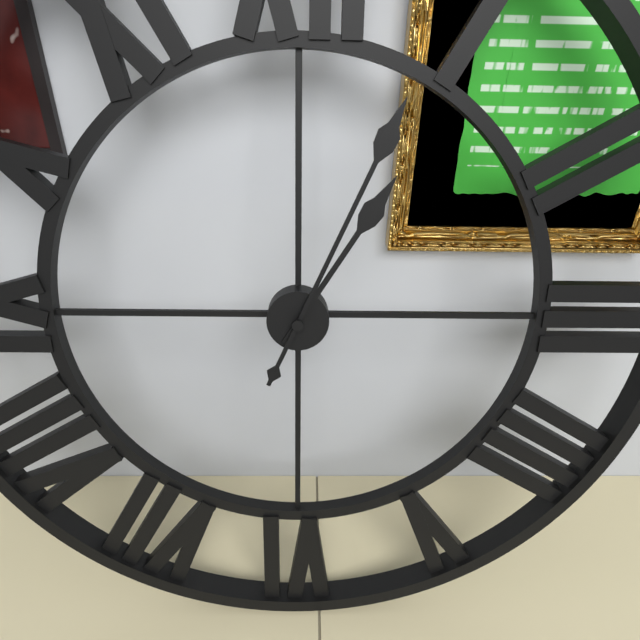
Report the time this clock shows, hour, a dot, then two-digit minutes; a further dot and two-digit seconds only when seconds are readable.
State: 1.04
